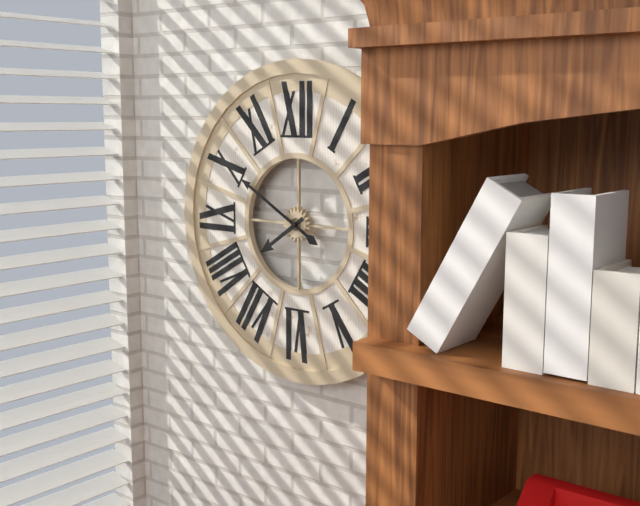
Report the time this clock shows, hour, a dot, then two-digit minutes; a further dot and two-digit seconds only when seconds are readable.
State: 7.50
